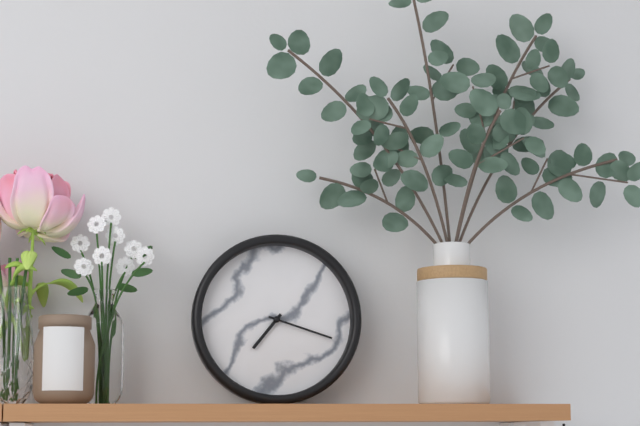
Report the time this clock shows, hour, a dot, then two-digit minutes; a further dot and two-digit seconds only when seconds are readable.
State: 7.18
